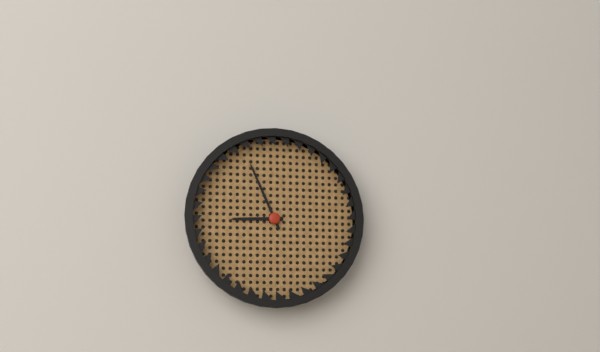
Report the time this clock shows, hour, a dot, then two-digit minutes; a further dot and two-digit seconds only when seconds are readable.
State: 8.56
